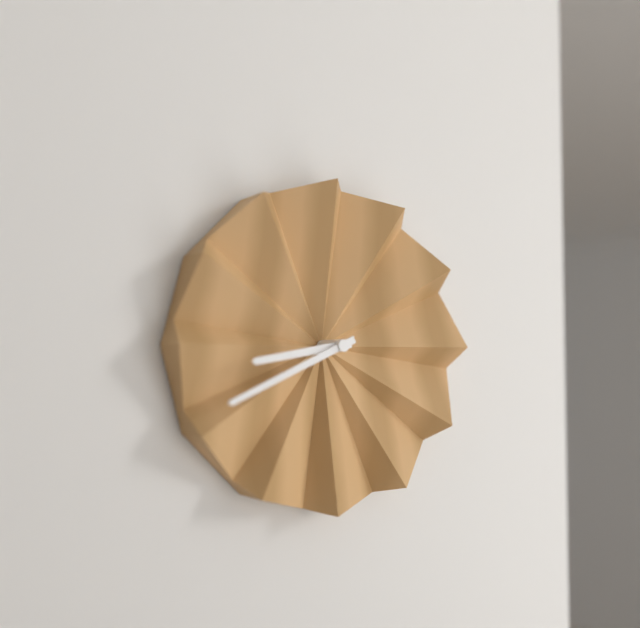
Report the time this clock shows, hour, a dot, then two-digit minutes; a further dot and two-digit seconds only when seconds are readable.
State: 8.41
